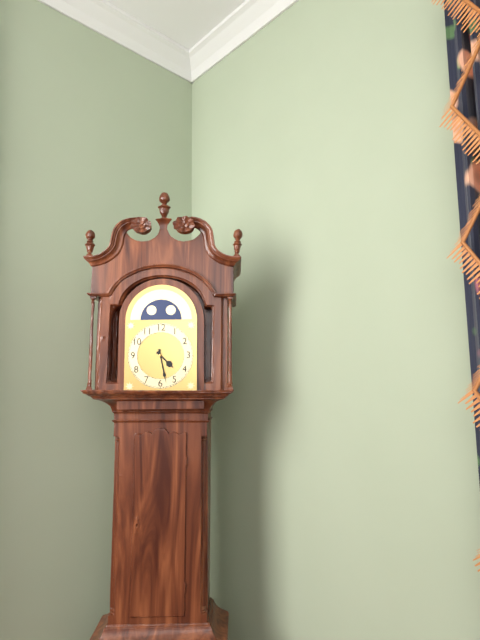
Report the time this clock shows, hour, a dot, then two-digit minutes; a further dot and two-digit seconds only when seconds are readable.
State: 4.28
